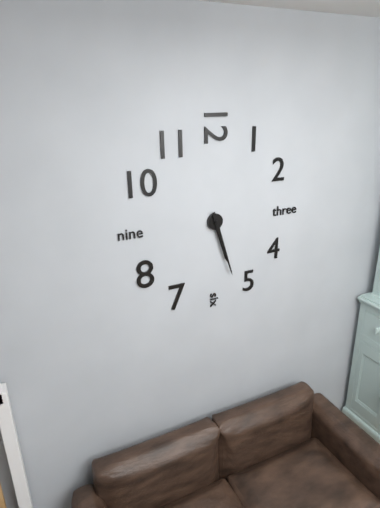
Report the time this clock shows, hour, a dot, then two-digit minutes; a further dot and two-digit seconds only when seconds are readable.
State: 5.27
